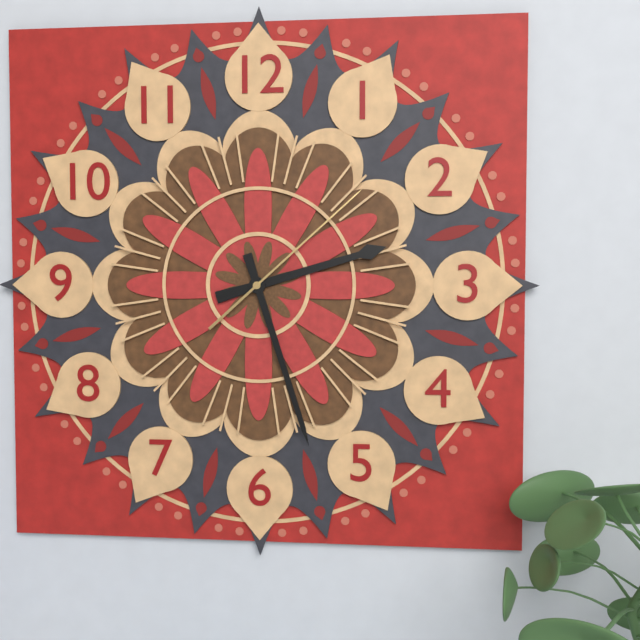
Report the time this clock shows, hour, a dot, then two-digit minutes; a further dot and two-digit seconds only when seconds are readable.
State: 2.27.08
